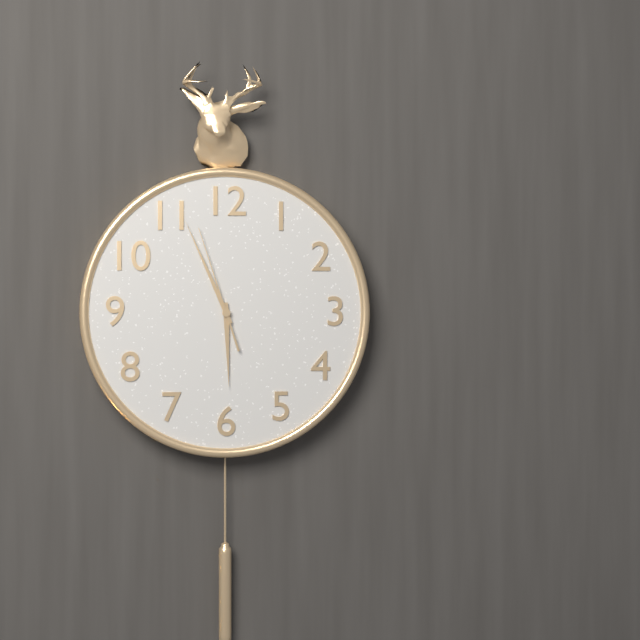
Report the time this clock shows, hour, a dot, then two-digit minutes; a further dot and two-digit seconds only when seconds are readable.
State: 5.56.57
